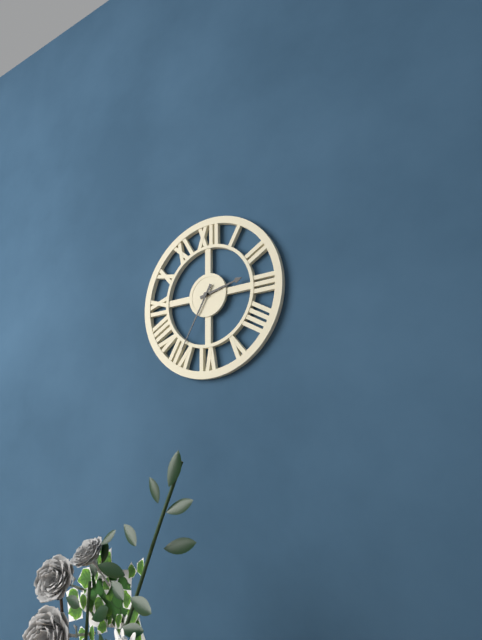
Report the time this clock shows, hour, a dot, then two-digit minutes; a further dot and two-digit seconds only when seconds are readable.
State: 2.35
